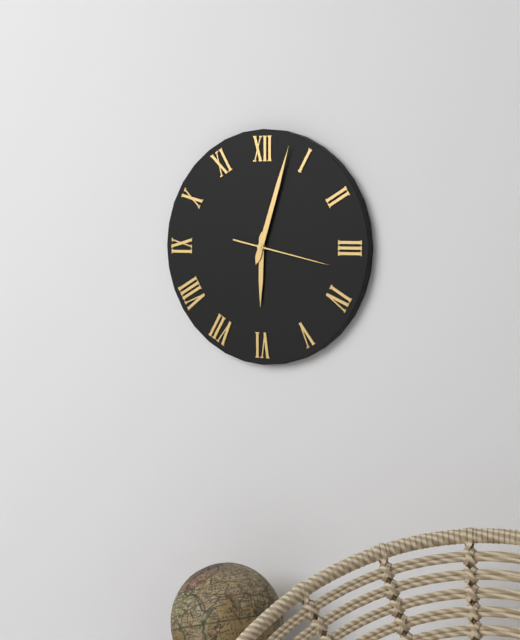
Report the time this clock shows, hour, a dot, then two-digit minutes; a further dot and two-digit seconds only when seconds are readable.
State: 6.03.17
